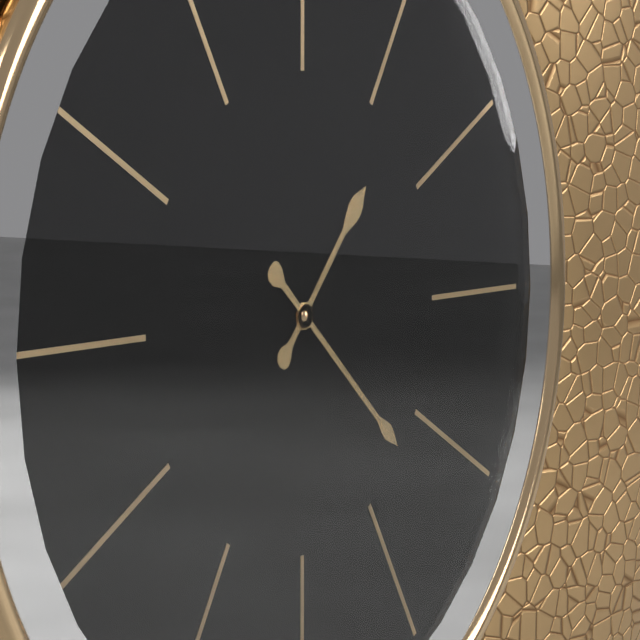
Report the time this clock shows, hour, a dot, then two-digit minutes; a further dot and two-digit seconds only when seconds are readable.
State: 1.22
